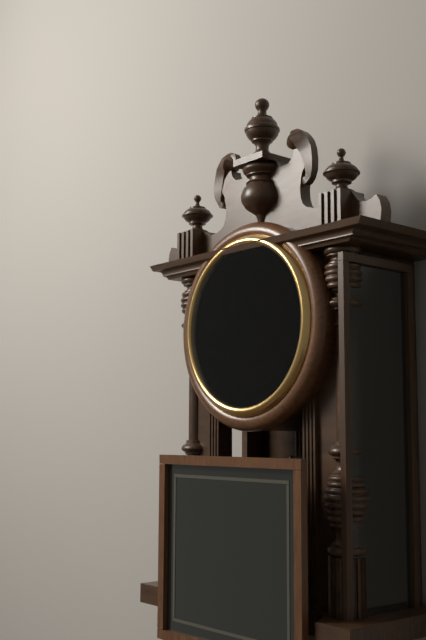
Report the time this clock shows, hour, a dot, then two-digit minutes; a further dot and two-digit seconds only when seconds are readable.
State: 10.51
